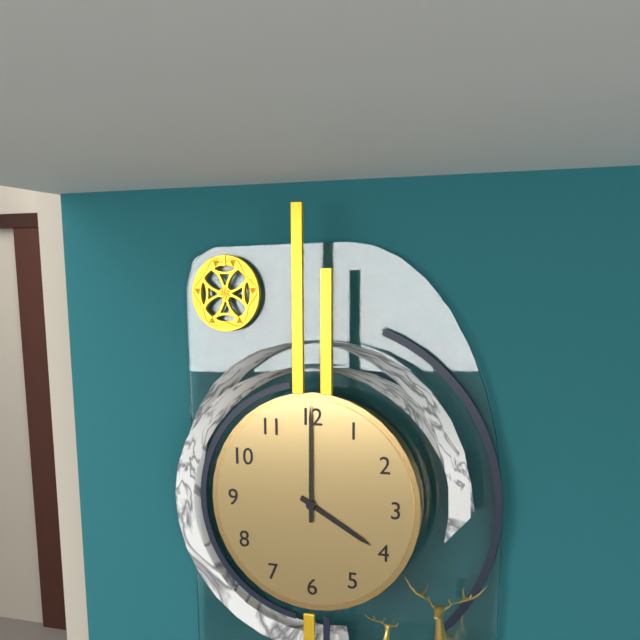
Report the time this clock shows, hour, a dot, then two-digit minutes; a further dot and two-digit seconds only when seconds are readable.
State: 4.00
